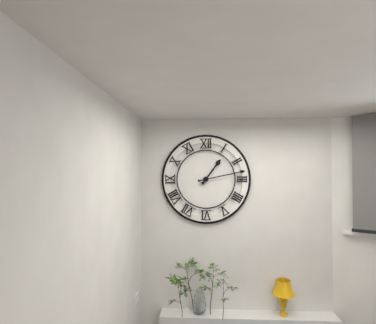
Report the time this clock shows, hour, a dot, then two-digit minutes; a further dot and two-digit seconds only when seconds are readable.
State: 1.13
